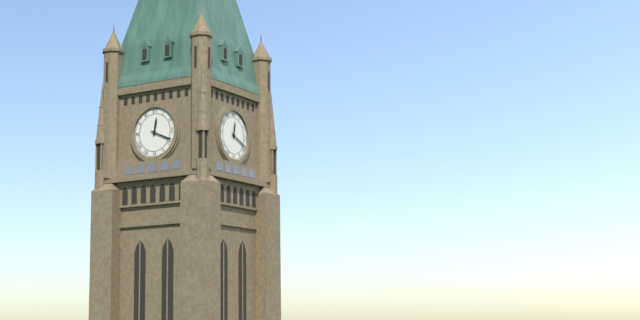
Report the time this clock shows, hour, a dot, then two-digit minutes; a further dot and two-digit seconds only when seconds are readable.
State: 12.19
